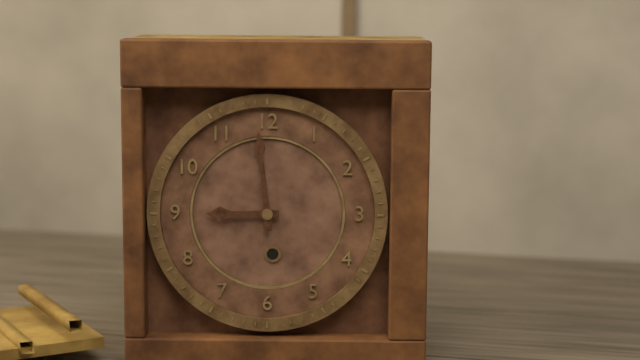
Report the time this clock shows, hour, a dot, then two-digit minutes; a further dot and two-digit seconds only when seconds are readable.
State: 8.59
